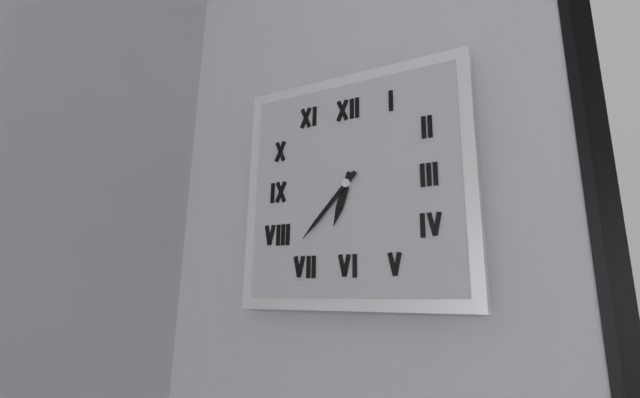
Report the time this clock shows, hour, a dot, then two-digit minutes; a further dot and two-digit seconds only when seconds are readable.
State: 6.37
